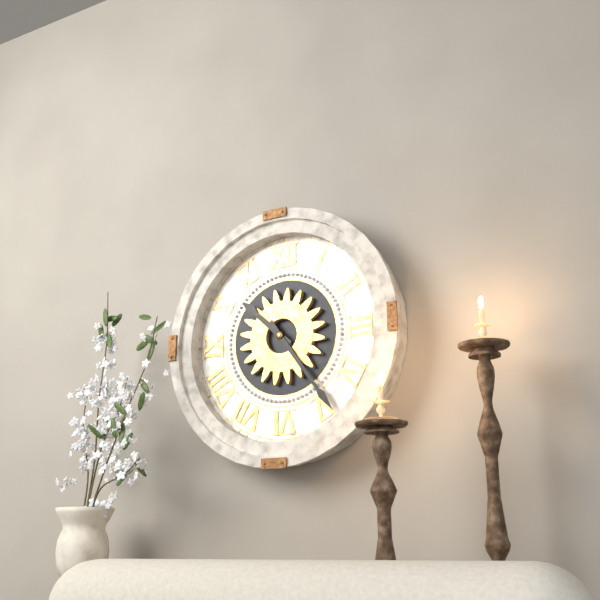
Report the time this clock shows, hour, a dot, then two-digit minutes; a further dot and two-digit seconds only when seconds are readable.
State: 10.24
